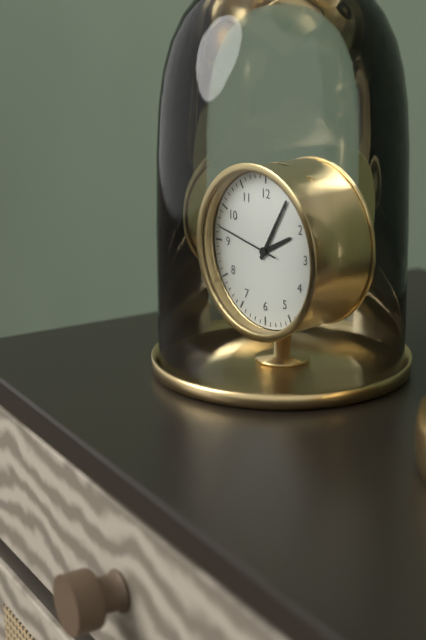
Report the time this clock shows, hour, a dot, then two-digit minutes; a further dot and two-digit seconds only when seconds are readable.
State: 2.05.47
